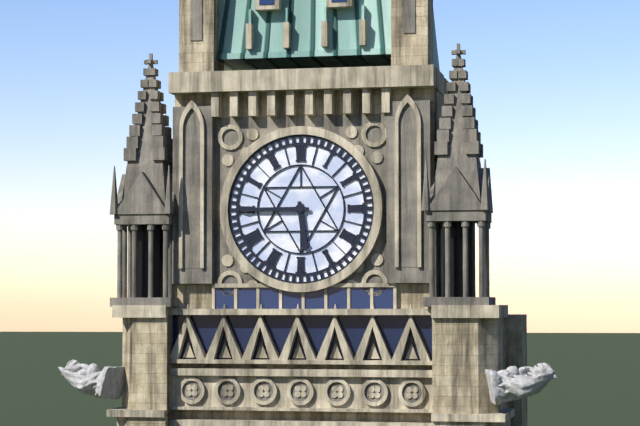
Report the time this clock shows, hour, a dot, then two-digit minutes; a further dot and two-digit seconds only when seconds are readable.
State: 5.45
